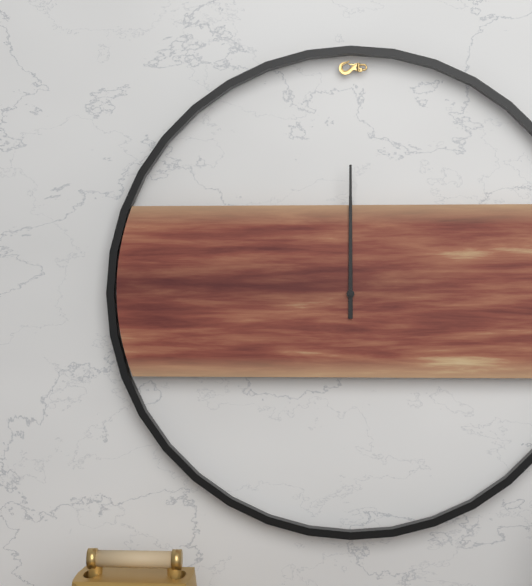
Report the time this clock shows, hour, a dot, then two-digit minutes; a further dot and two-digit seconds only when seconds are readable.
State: 12.00
